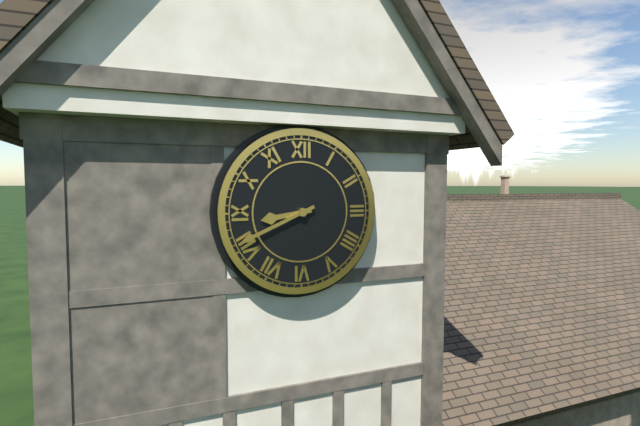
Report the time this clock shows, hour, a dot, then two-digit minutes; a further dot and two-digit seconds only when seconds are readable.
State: 8.41
